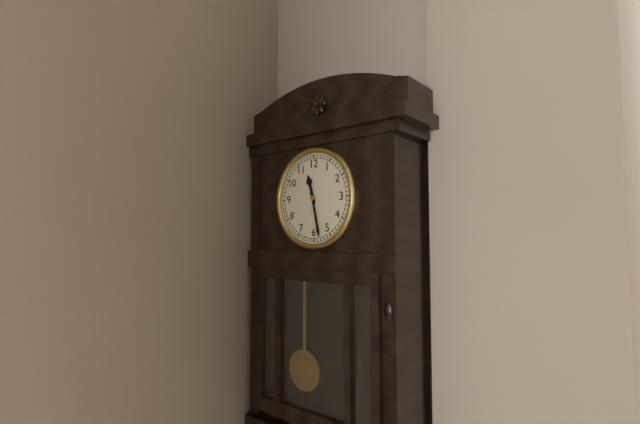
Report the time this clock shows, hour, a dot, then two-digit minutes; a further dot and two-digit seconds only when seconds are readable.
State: 11.28
